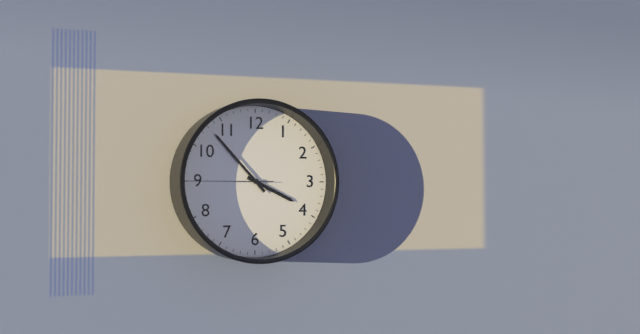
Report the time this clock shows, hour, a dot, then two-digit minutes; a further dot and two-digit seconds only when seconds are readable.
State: 3.53.45
